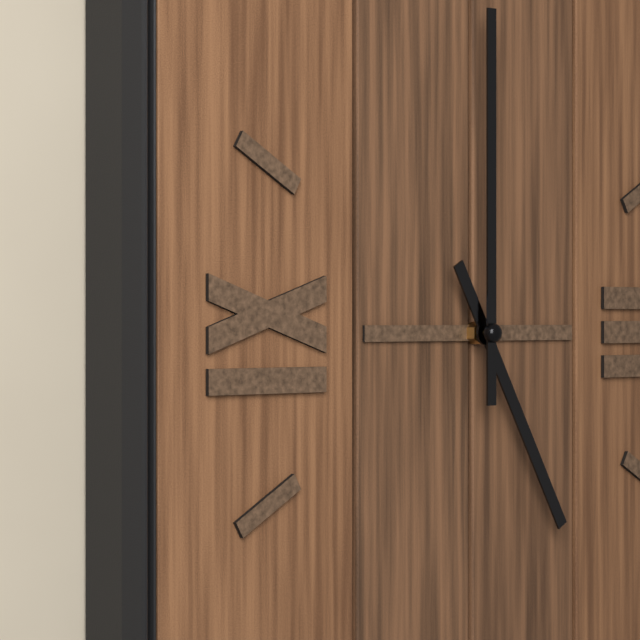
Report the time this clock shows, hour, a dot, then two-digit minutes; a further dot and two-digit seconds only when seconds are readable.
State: 5.00
